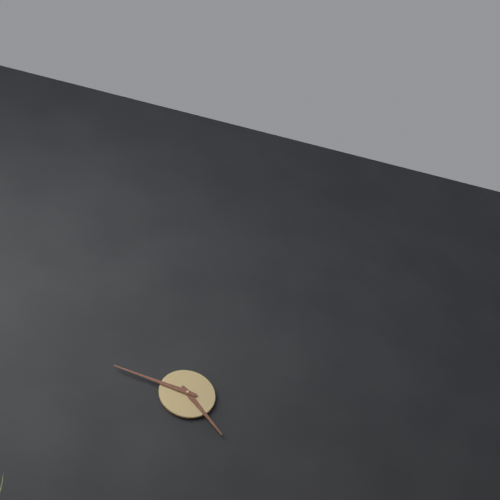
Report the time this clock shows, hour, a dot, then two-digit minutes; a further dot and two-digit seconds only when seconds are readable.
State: 4.48
